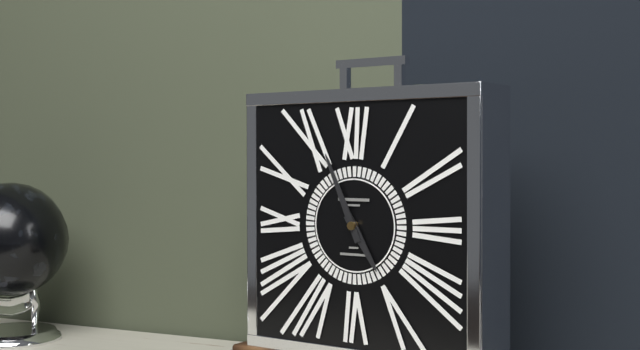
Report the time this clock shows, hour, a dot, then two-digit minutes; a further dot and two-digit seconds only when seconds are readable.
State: 4.56
